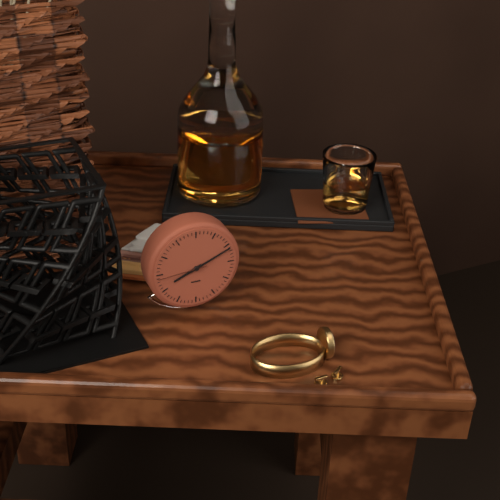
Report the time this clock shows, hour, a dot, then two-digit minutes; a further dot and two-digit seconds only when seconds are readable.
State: 8.11
